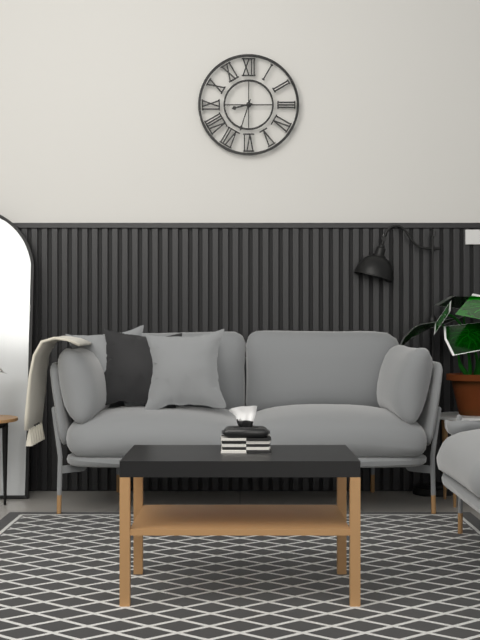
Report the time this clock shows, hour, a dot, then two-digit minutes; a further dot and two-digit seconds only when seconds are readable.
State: 8.33
